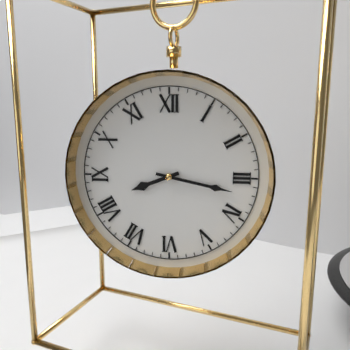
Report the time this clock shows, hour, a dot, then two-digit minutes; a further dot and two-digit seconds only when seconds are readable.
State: 8.17
